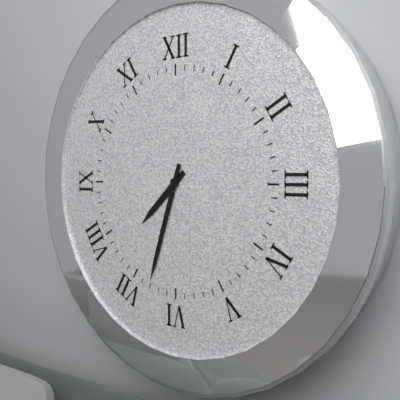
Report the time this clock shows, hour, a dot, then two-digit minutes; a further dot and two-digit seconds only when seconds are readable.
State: 7.33
